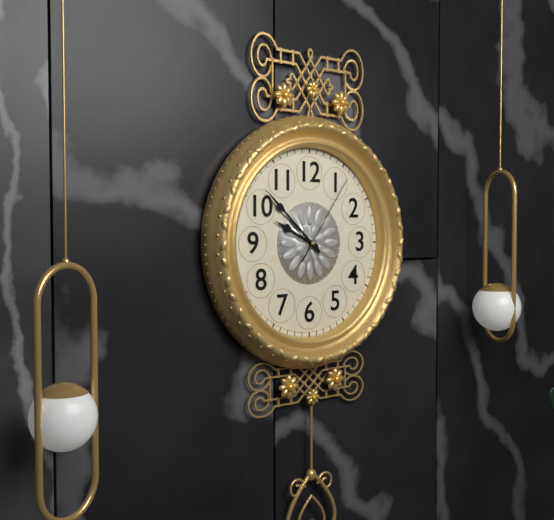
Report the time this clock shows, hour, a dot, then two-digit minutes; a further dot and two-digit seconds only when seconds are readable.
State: 9.52.06
